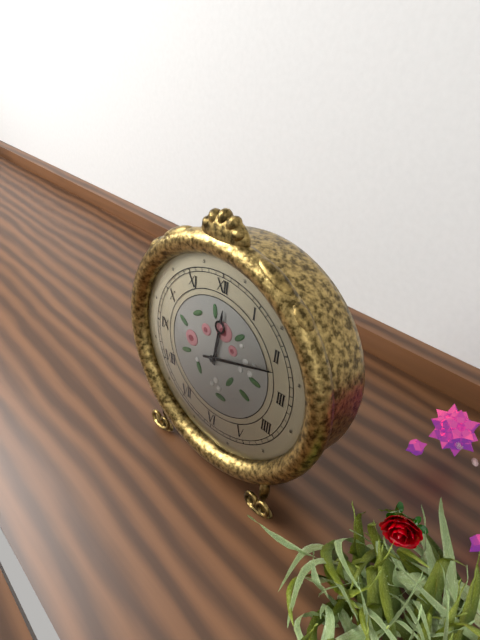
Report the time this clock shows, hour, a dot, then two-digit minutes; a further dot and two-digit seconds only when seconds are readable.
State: 12.12
